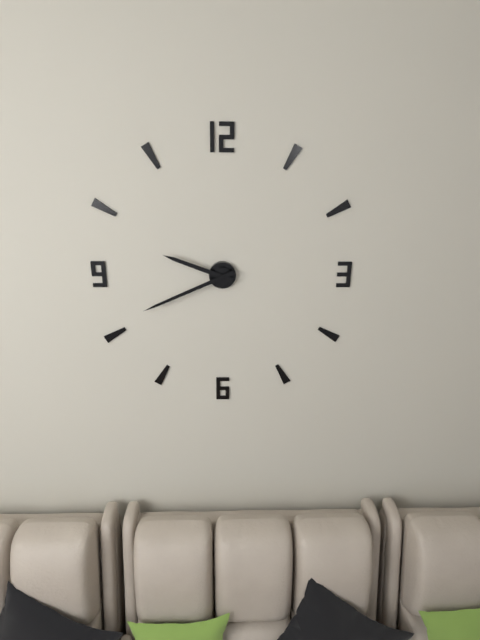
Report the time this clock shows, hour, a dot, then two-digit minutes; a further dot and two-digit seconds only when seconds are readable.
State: 9.41
